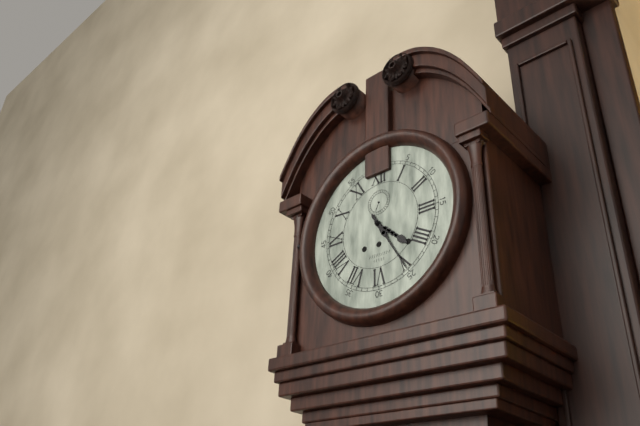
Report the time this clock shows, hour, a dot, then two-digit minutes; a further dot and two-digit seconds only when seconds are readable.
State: 4.25
